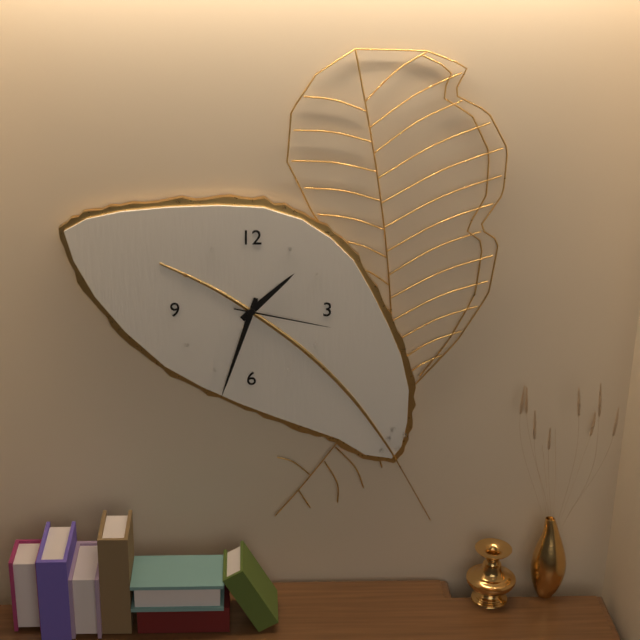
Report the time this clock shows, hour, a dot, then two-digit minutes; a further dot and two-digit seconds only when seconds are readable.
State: 1.33.17
